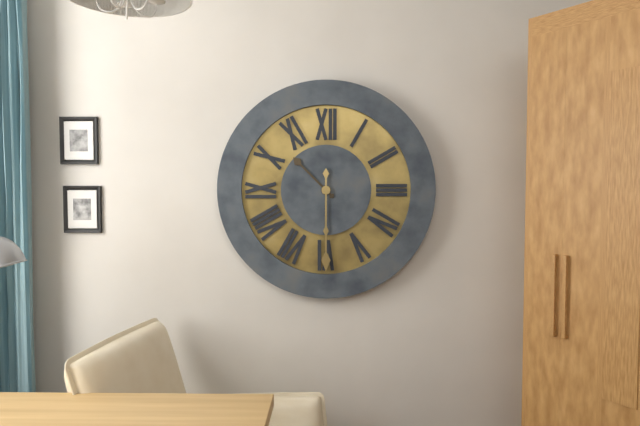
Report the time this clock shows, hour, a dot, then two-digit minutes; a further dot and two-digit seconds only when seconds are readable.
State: 10.30
